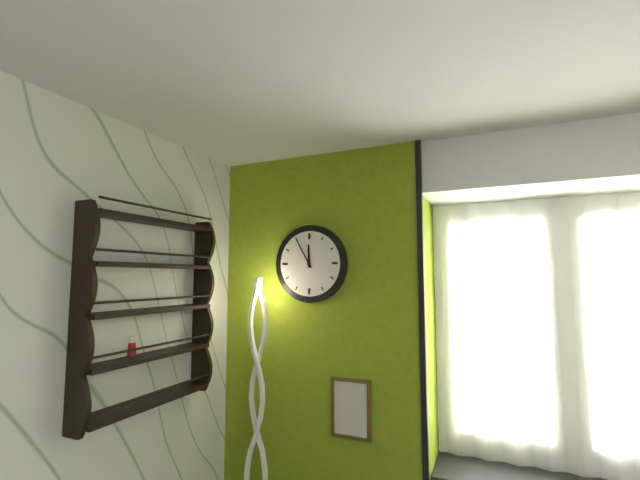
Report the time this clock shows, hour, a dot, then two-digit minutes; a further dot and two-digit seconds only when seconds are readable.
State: 11.55
